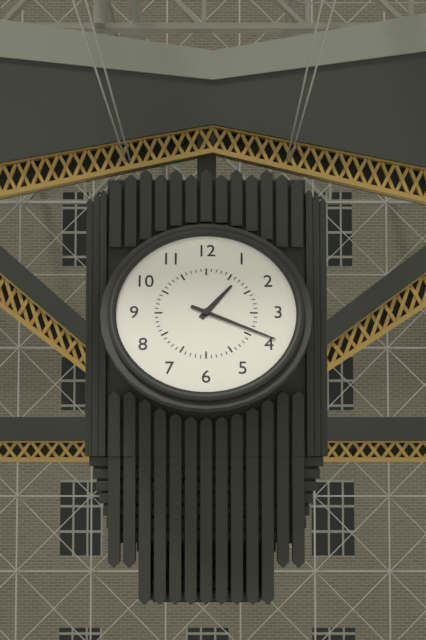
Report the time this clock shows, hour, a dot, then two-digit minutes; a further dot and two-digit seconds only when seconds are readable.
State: 1.19
